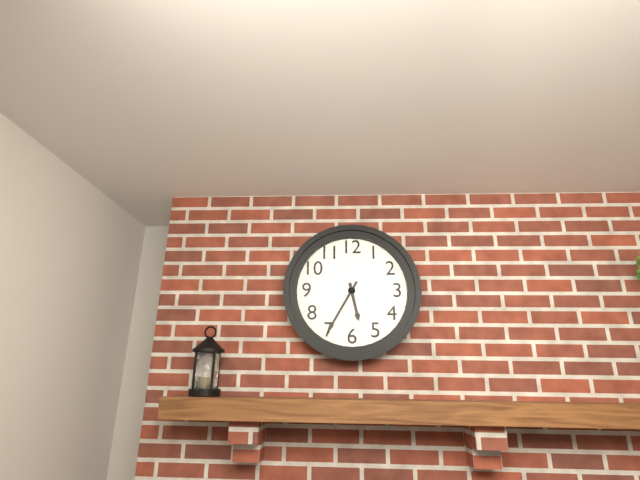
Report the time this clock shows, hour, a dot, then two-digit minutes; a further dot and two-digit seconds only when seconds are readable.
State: 5.35
